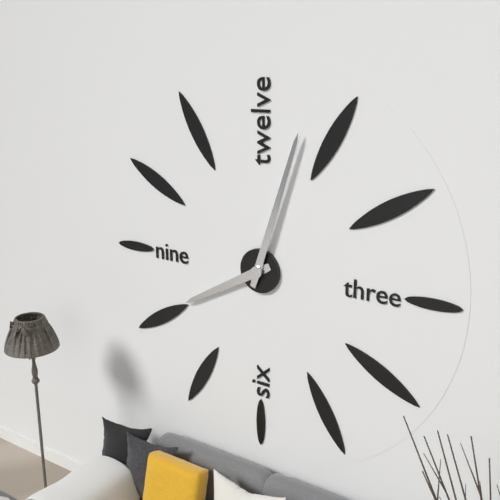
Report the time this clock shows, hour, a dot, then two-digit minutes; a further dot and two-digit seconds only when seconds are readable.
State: 8.03
